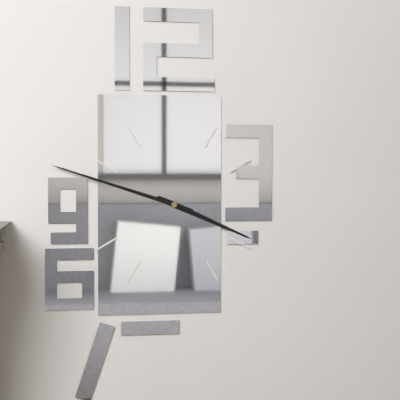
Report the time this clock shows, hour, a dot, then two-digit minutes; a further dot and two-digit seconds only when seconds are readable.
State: 3.48
